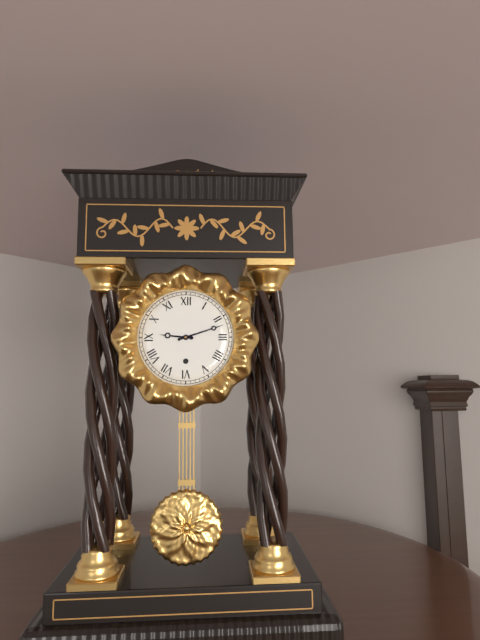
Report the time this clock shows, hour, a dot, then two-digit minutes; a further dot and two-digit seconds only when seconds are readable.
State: 9.12
